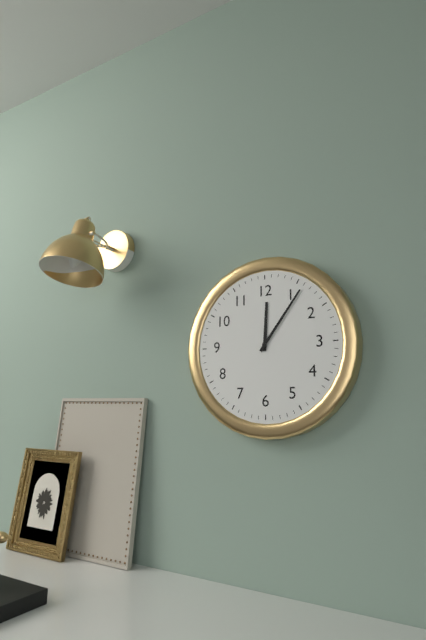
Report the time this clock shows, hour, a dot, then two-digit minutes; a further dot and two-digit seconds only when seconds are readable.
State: 12.06
